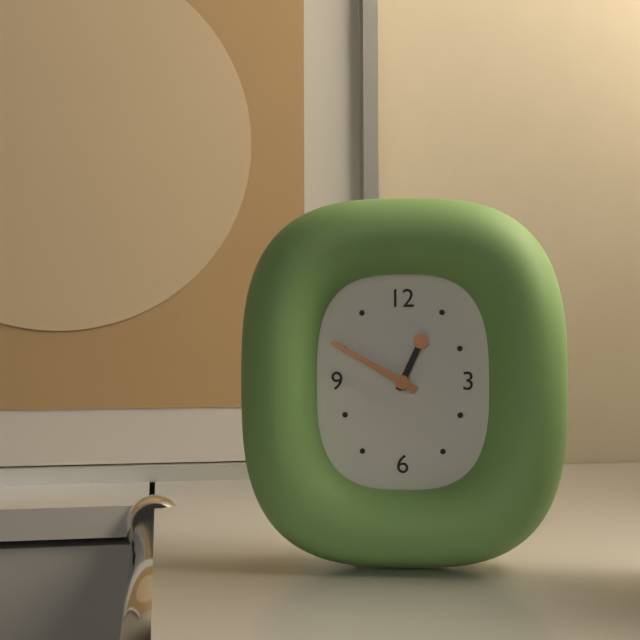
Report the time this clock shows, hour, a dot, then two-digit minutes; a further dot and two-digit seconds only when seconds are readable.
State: 12.50
